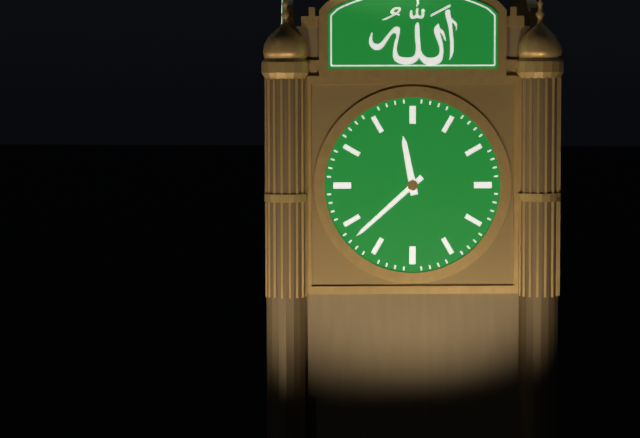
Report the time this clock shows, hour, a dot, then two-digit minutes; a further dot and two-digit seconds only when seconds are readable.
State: 11.38
